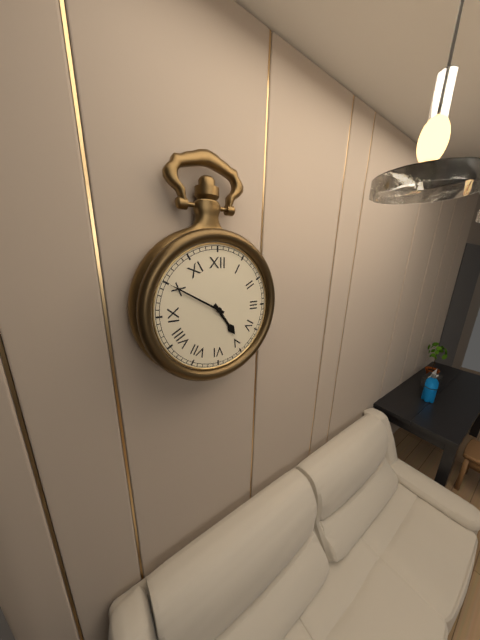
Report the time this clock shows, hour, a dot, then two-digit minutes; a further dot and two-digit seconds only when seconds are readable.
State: 4.50
